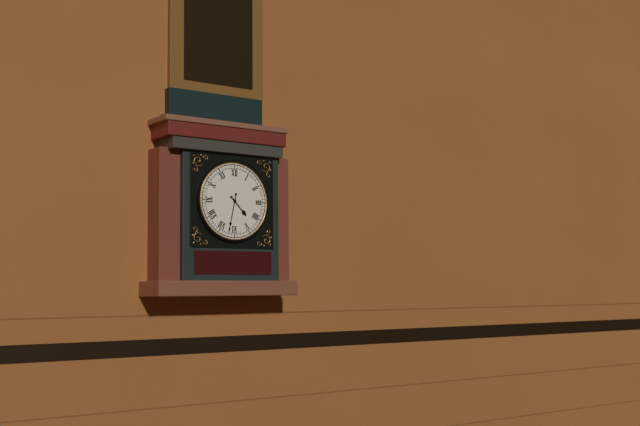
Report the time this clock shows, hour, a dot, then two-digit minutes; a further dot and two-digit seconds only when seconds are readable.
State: 4.32
